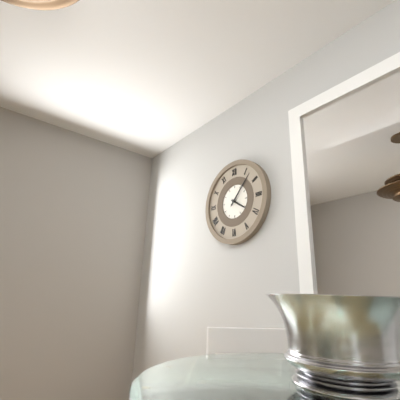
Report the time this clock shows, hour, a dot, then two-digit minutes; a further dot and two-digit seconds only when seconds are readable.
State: 4.07
